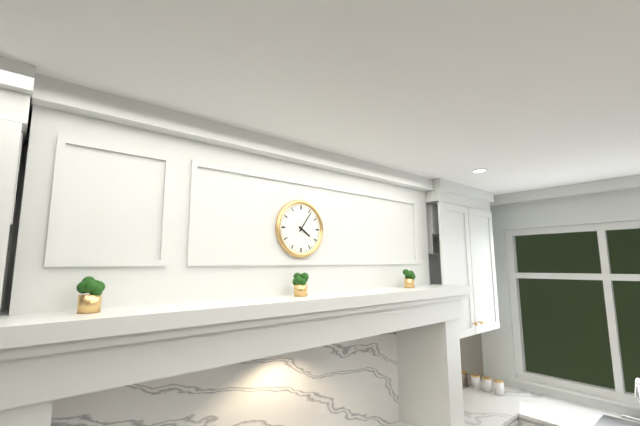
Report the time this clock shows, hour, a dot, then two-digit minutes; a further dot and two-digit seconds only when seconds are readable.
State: 4.06
